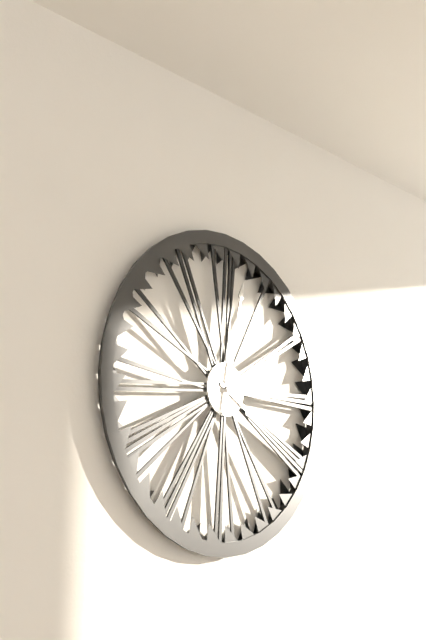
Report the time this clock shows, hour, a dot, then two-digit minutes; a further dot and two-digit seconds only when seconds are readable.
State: 4.02
